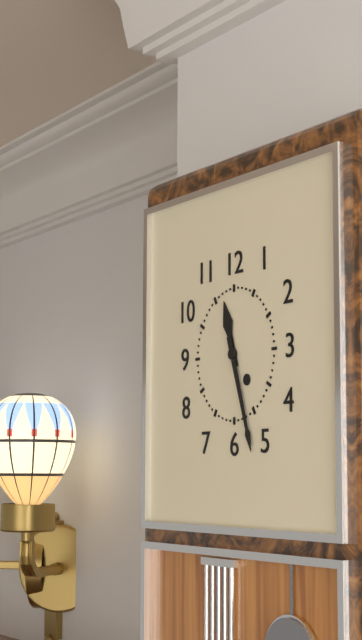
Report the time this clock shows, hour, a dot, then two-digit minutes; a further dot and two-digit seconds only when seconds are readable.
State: 11.27
